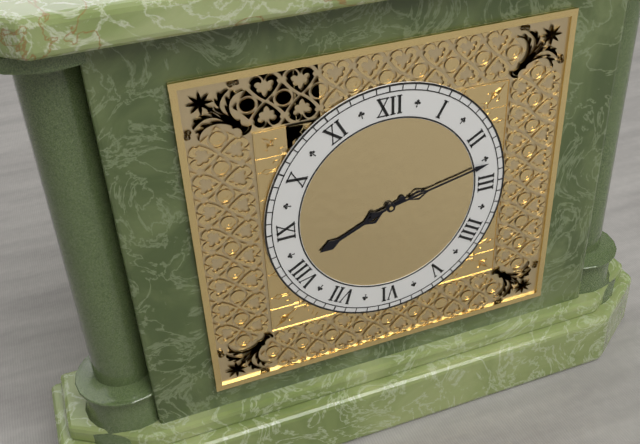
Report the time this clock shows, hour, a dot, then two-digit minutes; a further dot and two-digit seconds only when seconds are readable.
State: 8.13
